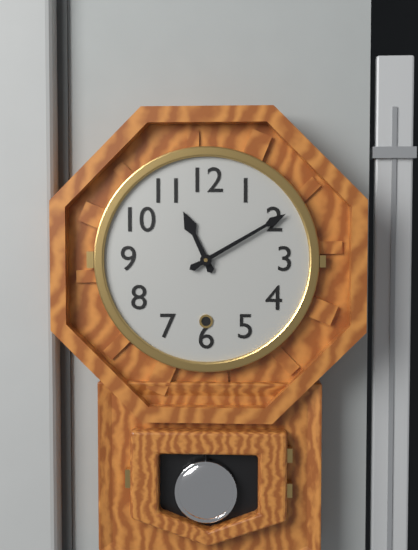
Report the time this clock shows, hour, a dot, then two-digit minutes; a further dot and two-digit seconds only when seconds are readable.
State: 11.10
